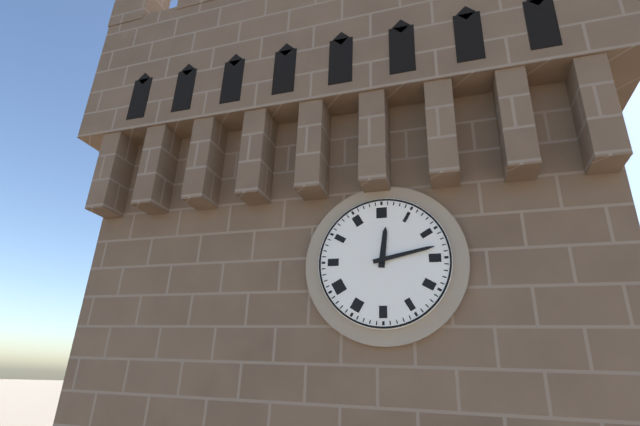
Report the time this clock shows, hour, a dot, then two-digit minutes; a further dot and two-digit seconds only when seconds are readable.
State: 12.13
